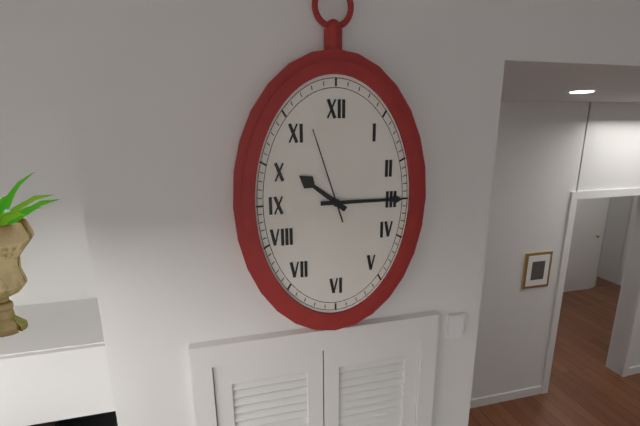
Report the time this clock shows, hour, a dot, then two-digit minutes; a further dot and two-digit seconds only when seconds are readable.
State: 10.15.57
